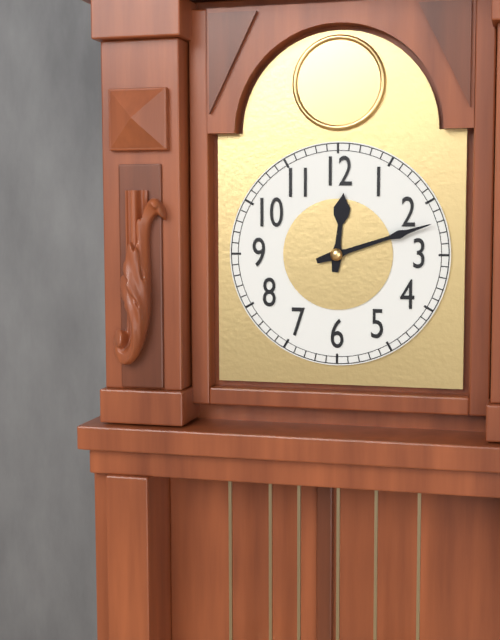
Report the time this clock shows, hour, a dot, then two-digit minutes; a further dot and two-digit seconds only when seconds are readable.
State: 12.12
